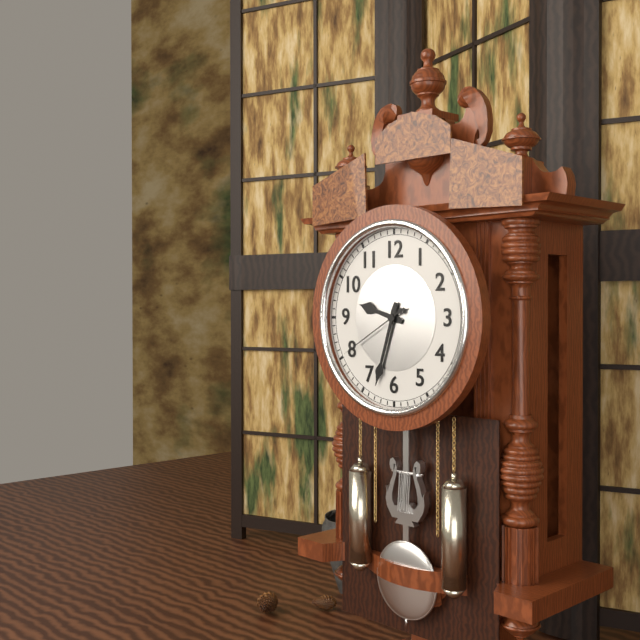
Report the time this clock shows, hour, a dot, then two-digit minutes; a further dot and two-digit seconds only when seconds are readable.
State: 9.33.40
